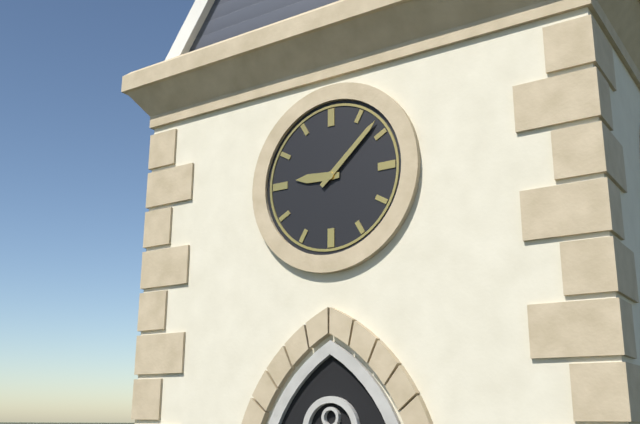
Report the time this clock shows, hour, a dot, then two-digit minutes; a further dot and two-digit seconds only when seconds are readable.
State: 9.08
